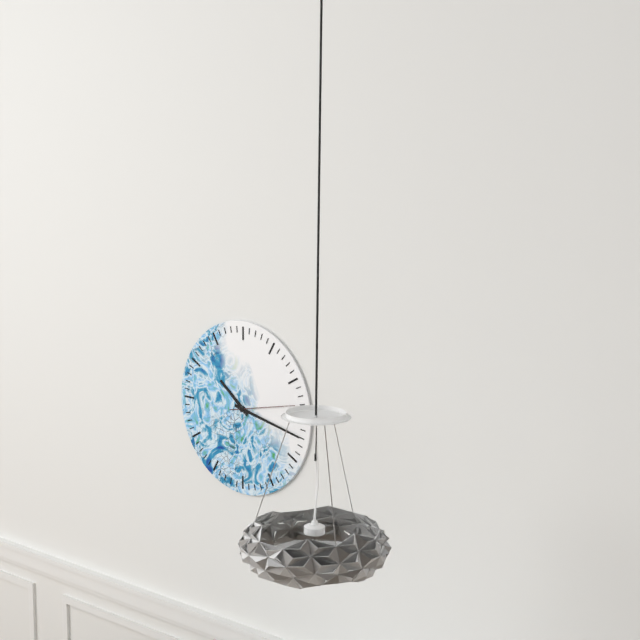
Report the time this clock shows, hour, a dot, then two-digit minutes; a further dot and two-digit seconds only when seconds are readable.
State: 10.17.13
